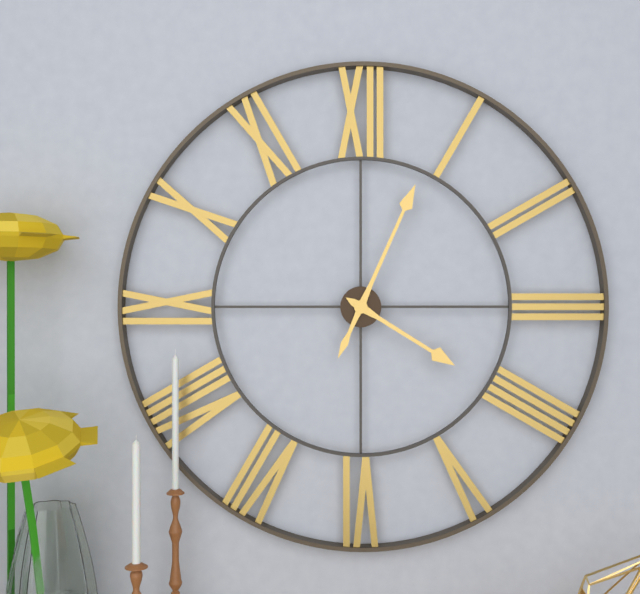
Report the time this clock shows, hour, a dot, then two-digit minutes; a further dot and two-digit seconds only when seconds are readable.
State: 4.04
